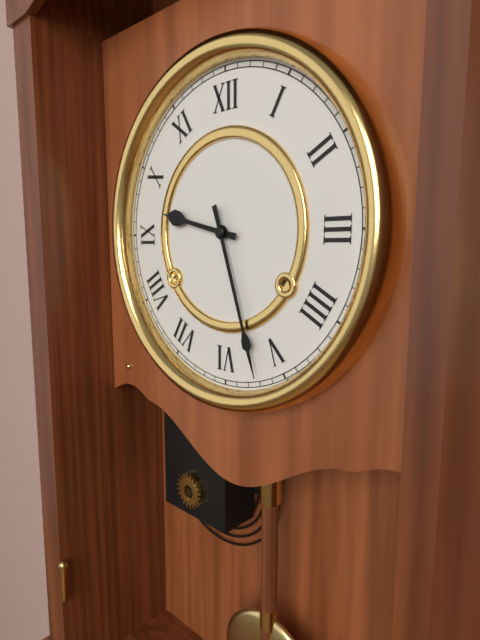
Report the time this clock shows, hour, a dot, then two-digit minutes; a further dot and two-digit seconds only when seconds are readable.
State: 9.27
